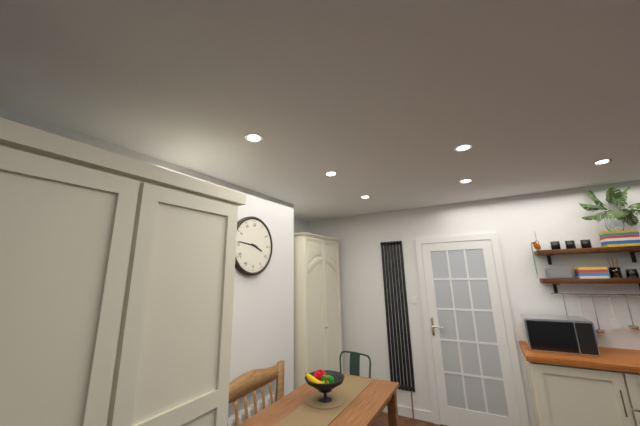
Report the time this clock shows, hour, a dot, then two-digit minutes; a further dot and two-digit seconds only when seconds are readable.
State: 3.46
